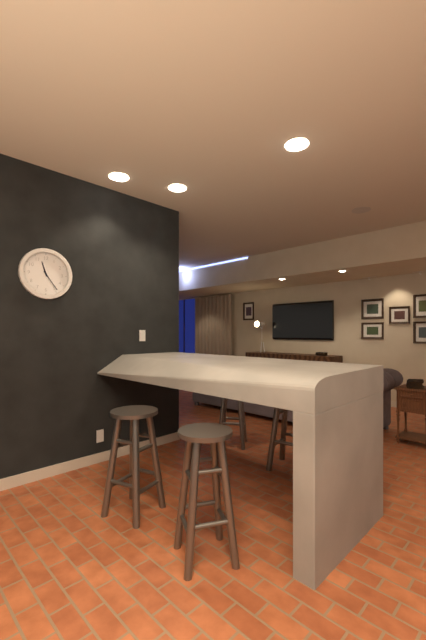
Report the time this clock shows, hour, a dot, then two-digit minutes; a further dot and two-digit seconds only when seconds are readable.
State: 11.24
